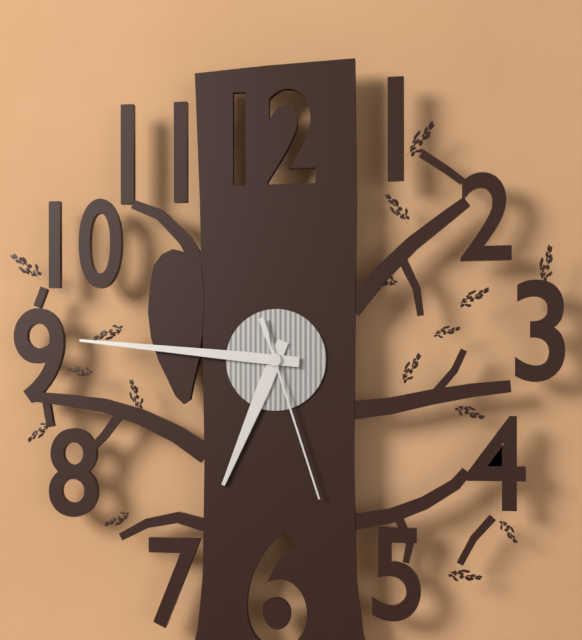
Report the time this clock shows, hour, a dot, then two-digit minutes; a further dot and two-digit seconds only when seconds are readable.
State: 6.46.27
